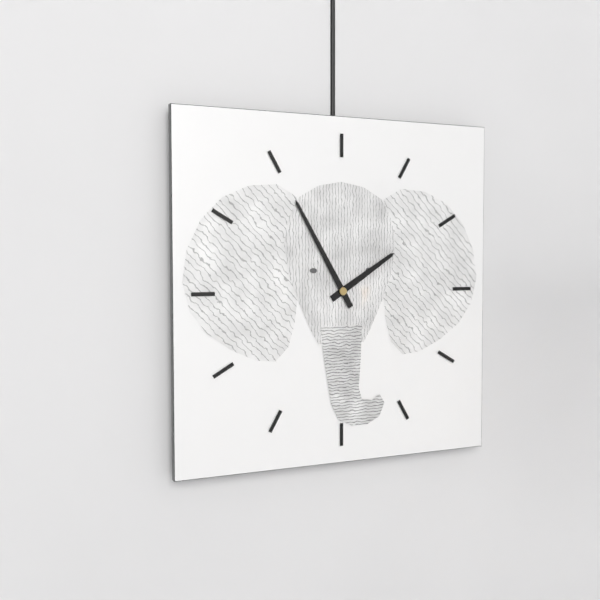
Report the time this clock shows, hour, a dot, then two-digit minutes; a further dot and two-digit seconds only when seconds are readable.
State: 1.55
